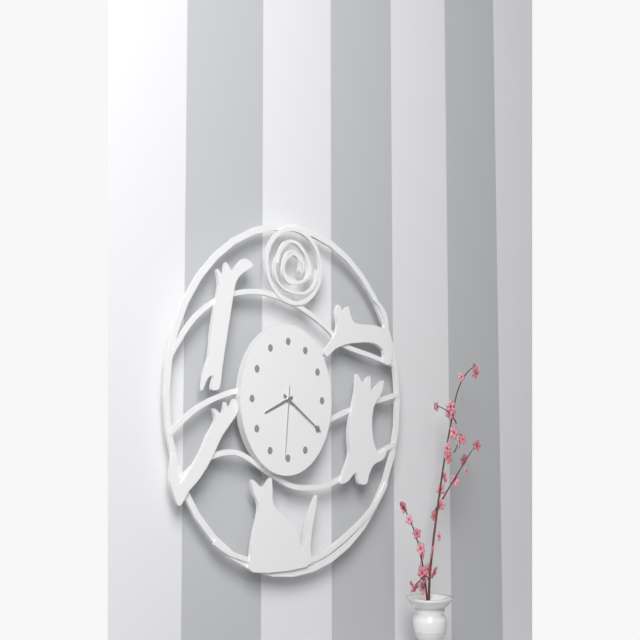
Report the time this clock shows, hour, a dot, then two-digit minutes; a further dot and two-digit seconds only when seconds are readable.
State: 8.20.31
